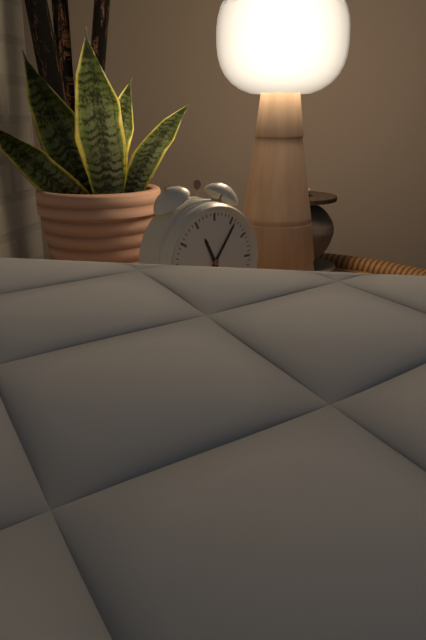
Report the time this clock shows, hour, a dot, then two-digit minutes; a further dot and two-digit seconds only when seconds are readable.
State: 11.06
